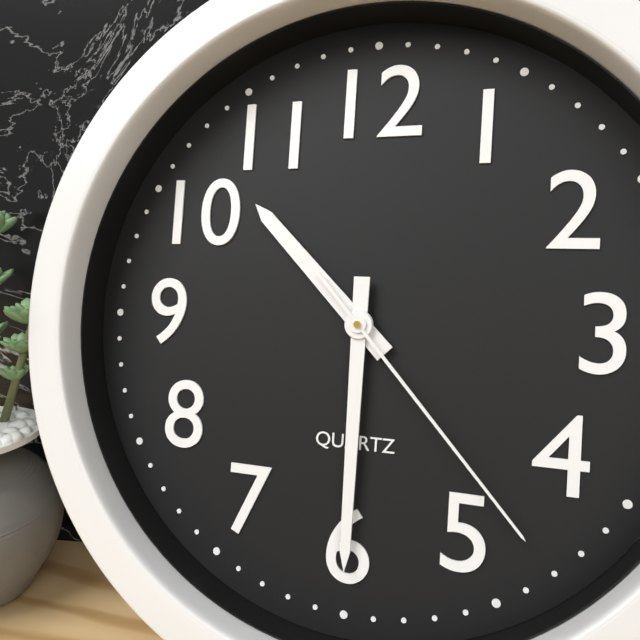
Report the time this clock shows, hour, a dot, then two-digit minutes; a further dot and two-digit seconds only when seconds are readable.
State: 10.30.23
